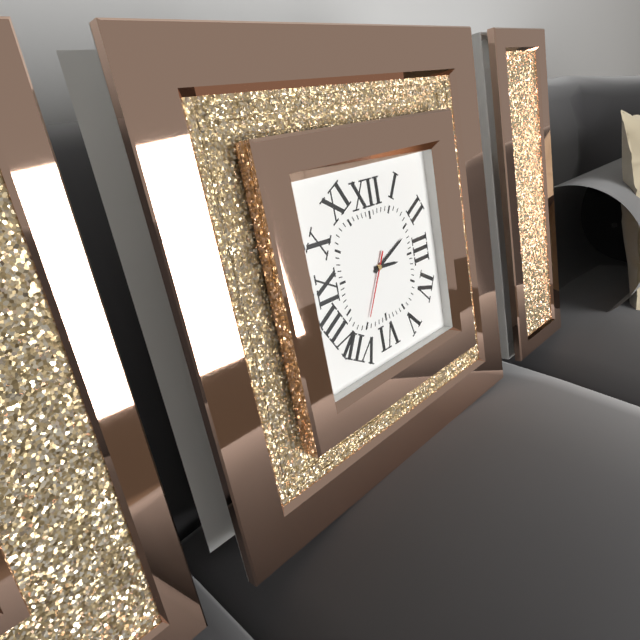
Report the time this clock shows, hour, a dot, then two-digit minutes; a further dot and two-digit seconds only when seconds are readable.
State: 3.11.35
